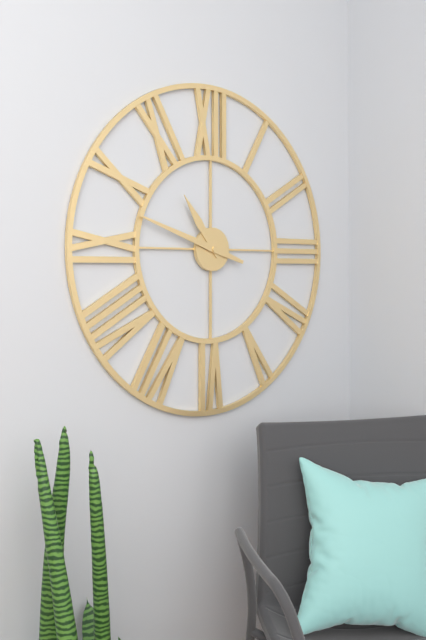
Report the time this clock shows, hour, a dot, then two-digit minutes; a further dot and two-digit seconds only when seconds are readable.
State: 10.48
